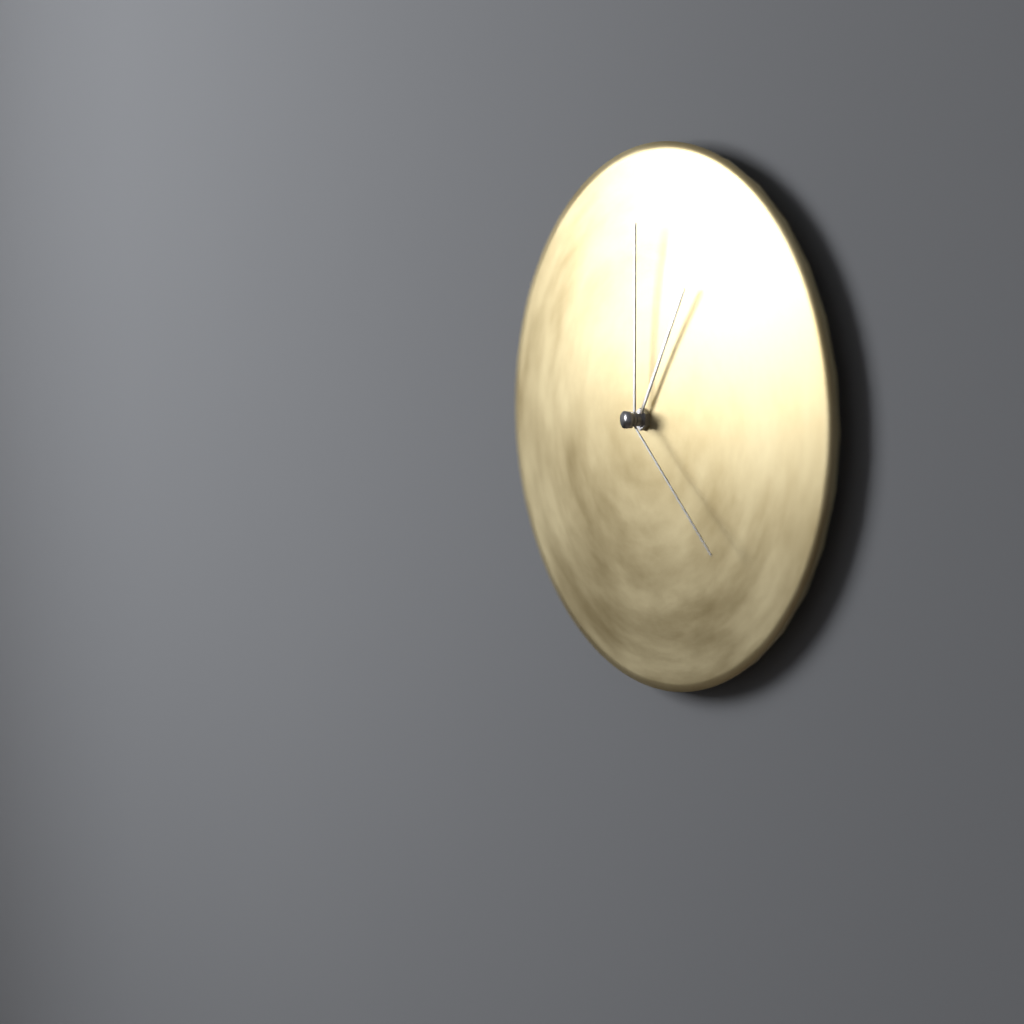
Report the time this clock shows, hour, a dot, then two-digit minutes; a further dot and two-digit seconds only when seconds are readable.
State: 1.00.22
